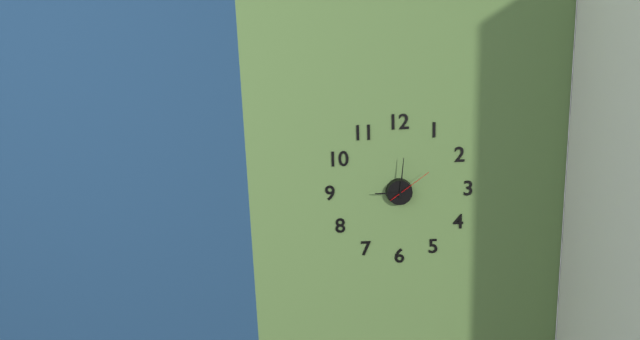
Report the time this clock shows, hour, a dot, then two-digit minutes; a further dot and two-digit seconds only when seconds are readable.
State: 9.01
